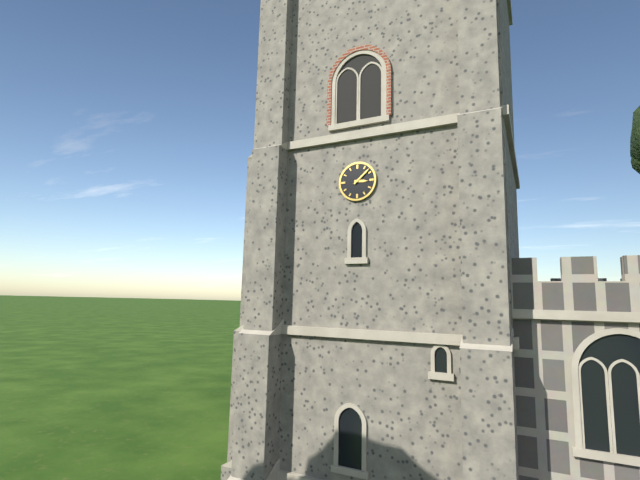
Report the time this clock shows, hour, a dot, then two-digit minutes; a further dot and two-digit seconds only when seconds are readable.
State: 3.08
